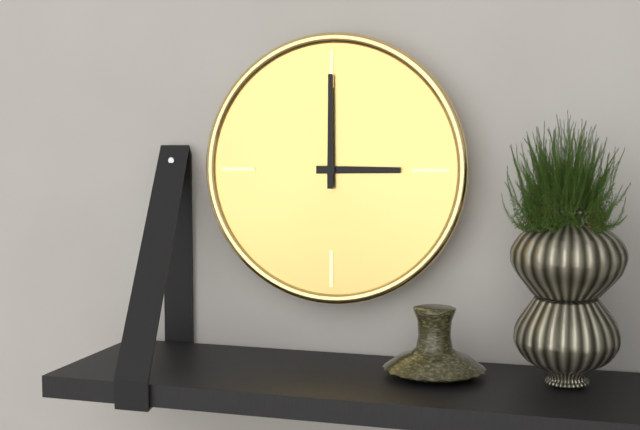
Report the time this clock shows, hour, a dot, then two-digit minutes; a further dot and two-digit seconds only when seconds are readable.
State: 3.00
